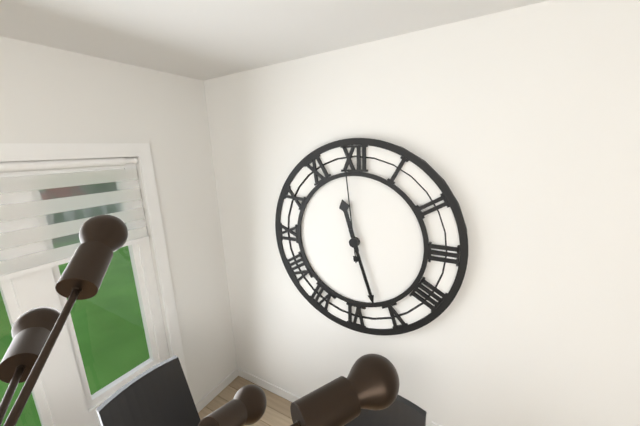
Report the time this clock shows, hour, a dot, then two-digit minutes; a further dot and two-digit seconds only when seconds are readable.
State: 11.27.59
